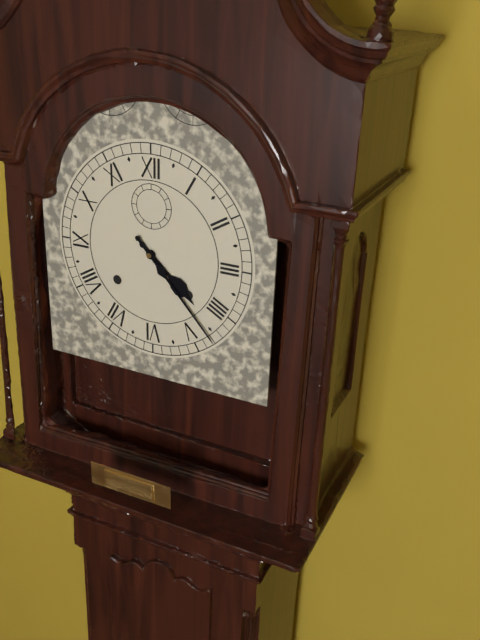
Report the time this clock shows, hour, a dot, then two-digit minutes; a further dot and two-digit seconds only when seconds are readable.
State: 4.23
